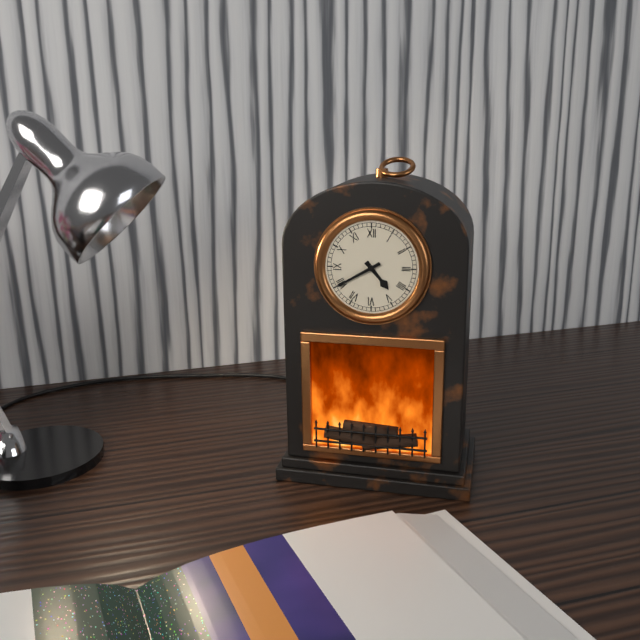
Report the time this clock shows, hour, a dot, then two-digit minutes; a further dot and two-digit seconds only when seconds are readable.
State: 4.40
